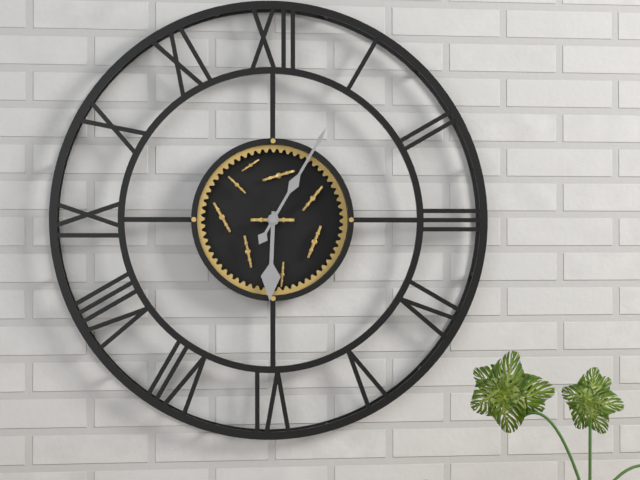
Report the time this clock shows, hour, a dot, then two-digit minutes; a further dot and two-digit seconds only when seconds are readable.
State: 6.05
